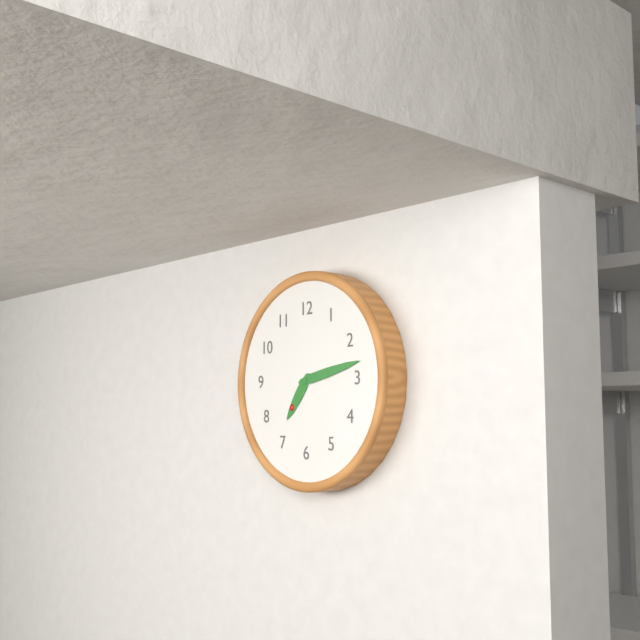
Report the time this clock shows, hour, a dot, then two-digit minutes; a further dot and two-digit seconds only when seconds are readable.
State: 7.13
